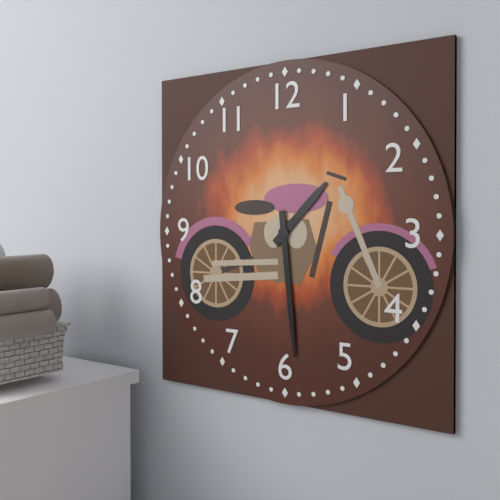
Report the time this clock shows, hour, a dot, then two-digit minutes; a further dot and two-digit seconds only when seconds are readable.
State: 1.29
